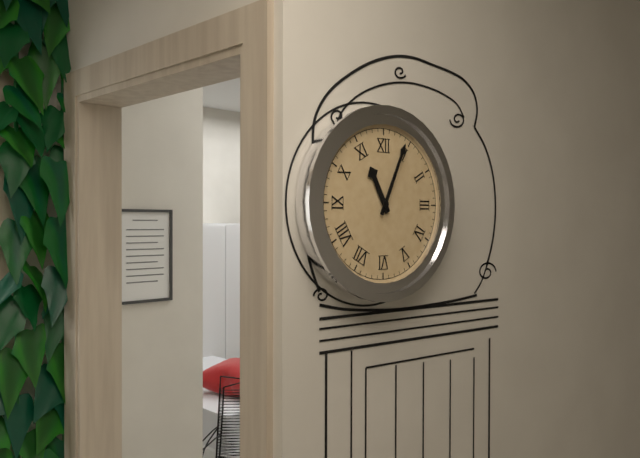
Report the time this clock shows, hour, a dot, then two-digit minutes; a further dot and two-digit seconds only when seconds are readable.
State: 11.04
